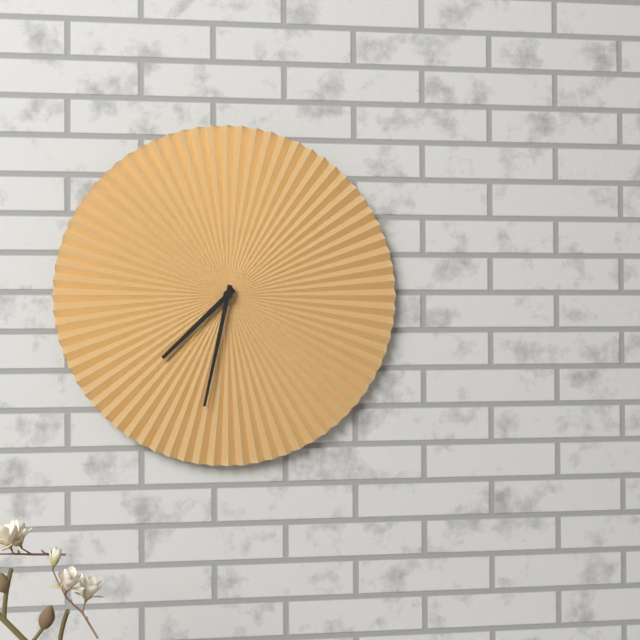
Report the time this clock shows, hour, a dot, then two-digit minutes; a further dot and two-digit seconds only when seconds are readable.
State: 7.32
